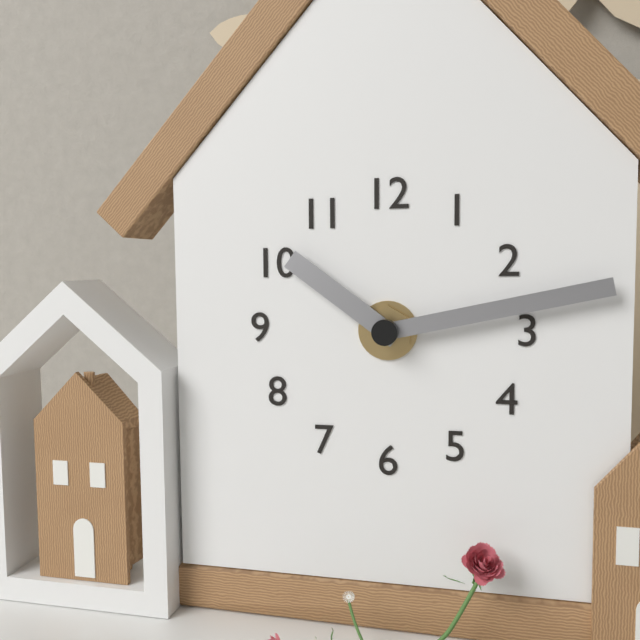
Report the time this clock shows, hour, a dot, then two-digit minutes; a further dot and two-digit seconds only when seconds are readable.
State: 10.13
